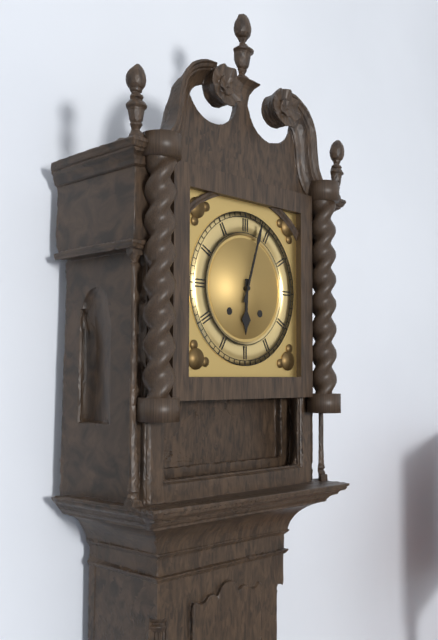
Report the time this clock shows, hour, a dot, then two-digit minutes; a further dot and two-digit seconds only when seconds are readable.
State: 6.03
